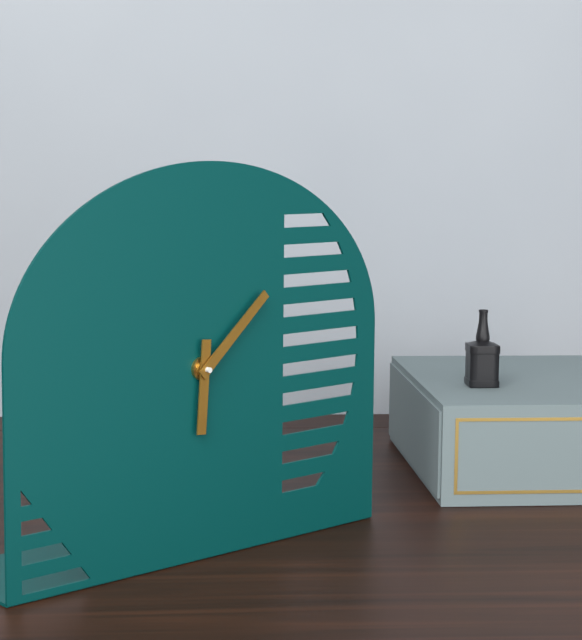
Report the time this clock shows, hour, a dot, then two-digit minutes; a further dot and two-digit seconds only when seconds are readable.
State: 6.08
